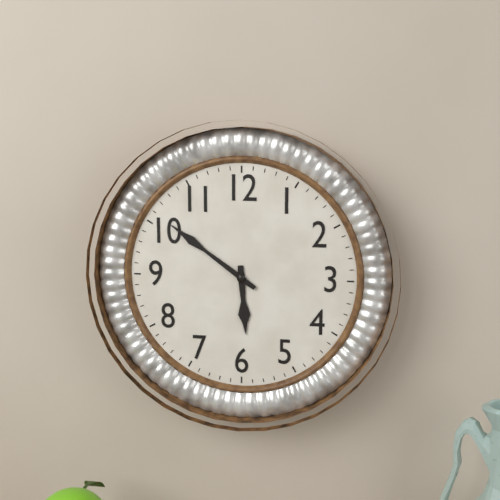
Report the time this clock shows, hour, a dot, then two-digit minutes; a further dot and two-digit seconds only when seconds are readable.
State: 5.51
